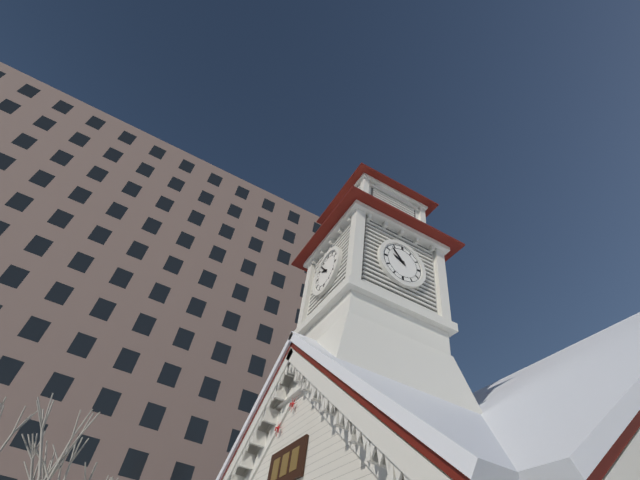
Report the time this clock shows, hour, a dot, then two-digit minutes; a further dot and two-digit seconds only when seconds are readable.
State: 9.53
